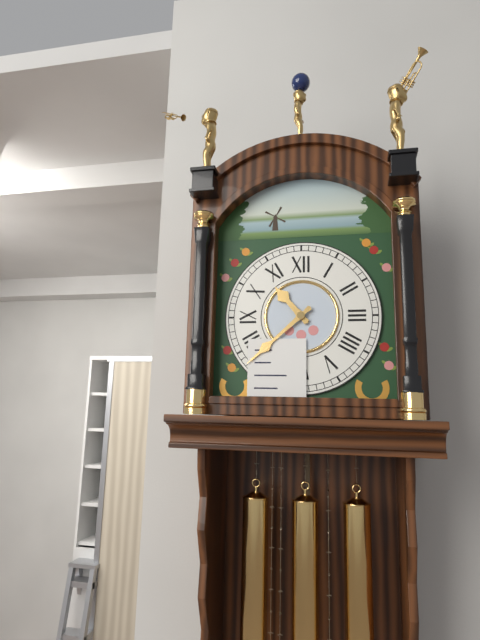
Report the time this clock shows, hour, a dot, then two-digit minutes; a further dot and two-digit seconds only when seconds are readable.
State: 10.38
